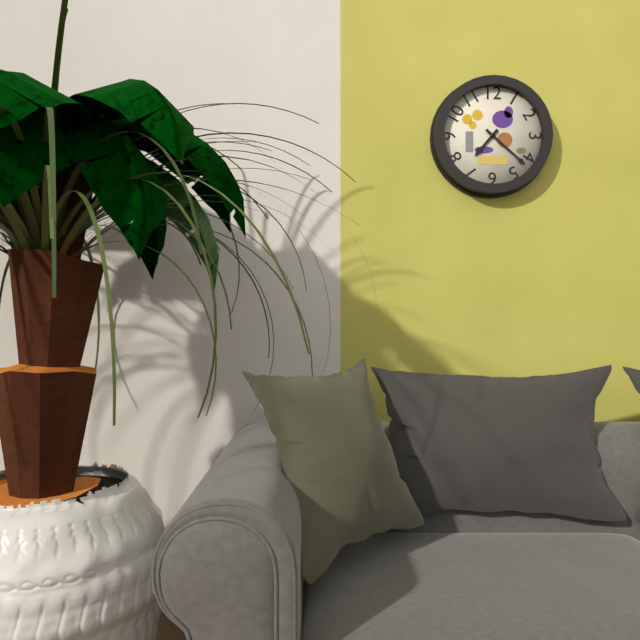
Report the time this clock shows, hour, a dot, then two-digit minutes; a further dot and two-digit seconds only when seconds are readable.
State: 7.22
